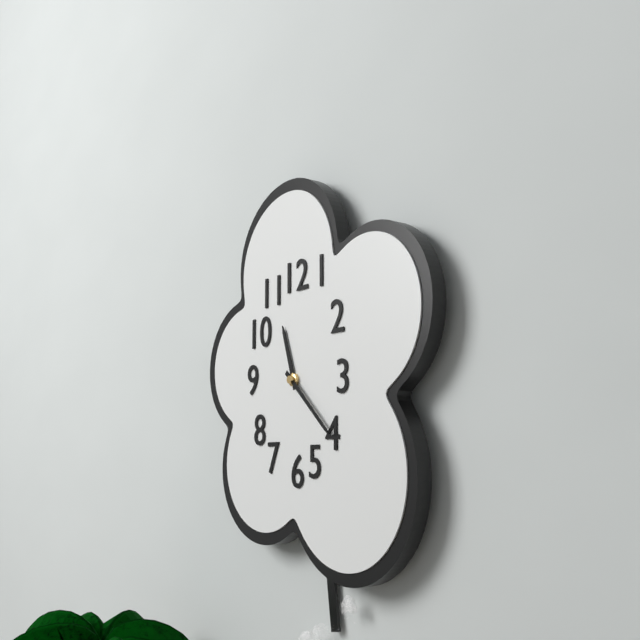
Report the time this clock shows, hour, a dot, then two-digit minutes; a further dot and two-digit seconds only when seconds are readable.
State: 11.22
